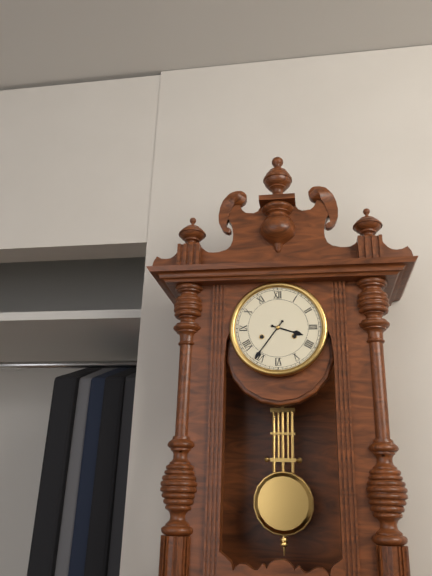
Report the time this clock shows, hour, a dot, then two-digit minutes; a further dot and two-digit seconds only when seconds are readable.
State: 3.36
